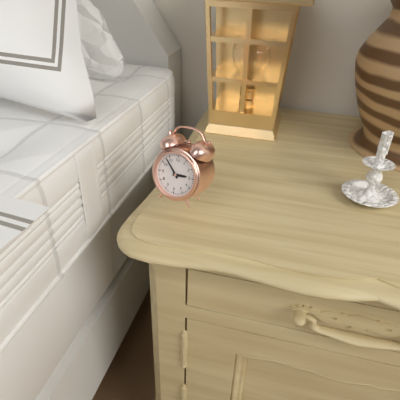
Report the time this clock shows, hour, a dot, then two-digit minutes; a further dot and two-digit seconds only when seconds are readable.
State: 2.53
